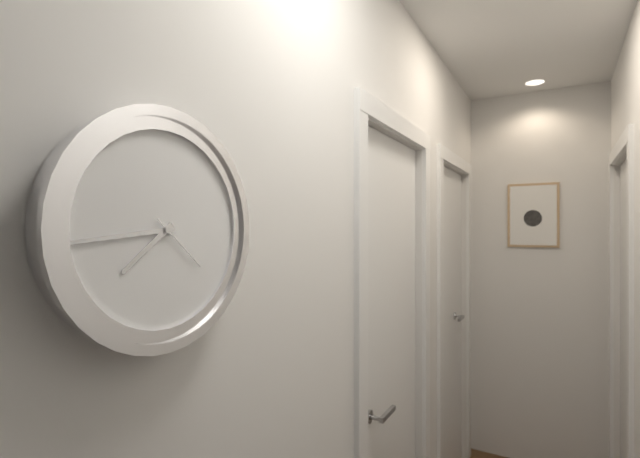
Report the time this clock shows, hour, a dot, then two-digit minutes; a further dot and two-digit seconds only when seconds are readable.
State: 7.44.22
